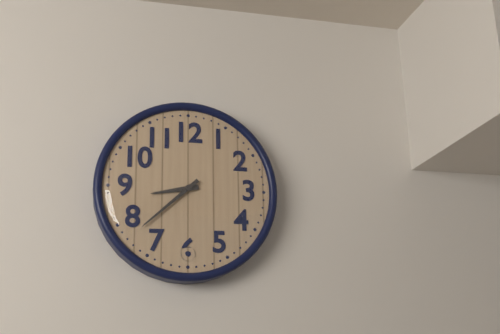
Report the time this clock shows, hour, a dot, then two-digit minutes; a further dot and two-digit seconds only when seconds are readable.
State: 8.38
